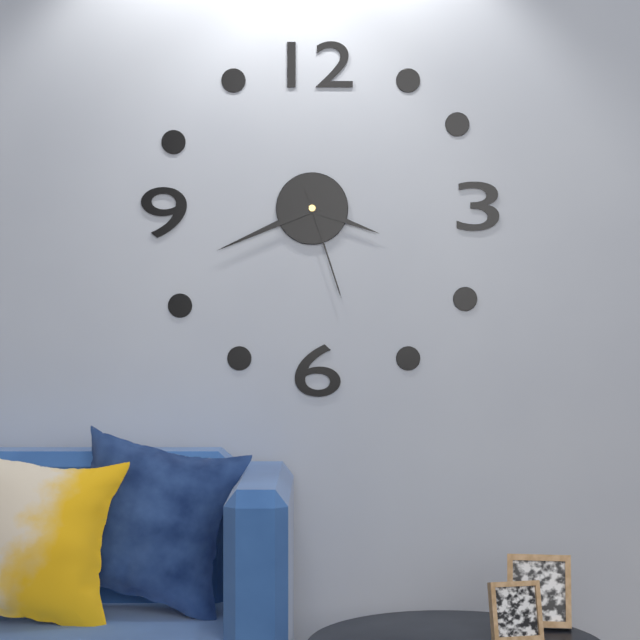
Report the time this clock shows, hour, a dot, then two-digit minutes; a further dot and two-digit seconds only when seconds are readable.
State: 3.41.27
